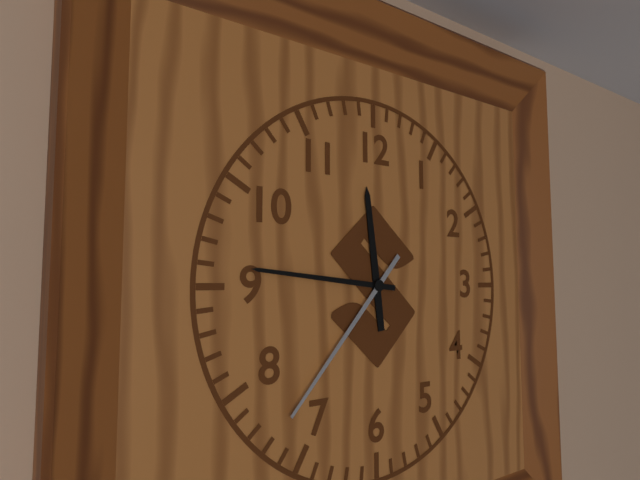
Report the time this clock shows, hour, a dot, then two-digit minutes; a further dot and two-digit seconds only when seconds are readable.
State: 11.46.37
